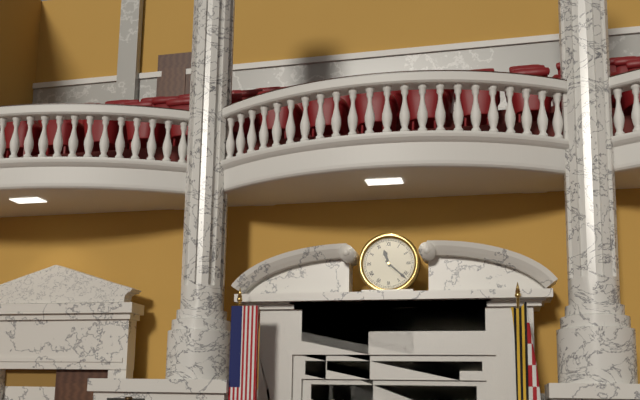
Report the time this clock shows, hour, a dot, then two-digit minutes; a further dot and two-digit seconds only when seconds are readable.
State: 11.22
